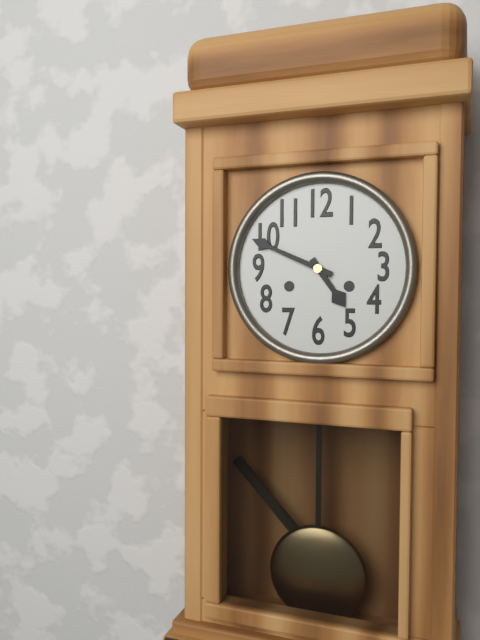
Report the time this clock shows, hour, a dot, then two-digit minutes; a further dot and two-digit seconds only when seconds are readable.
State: 4.49
